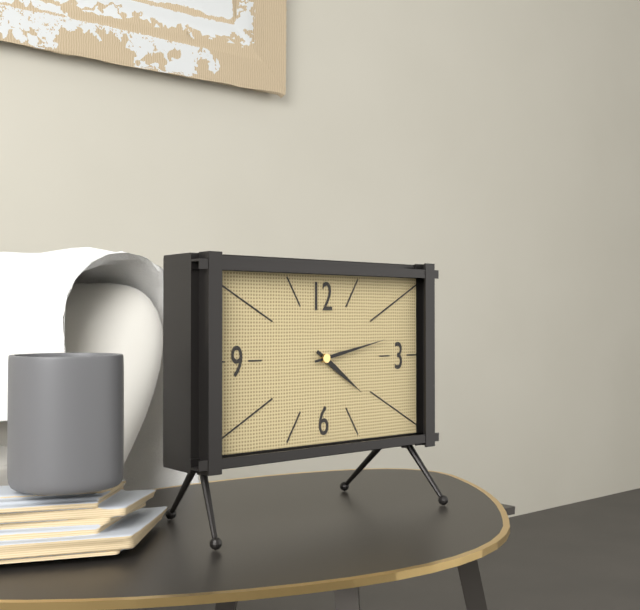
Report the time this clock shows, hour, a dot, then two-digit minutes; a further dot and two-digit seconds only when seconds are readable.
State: 4.13
